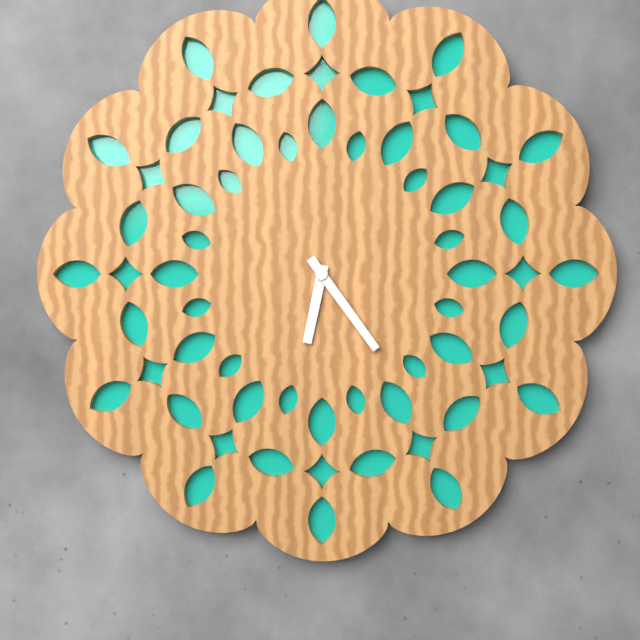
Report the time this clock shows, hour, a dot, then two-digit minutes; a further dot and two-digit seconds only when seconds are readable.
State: 6.24
